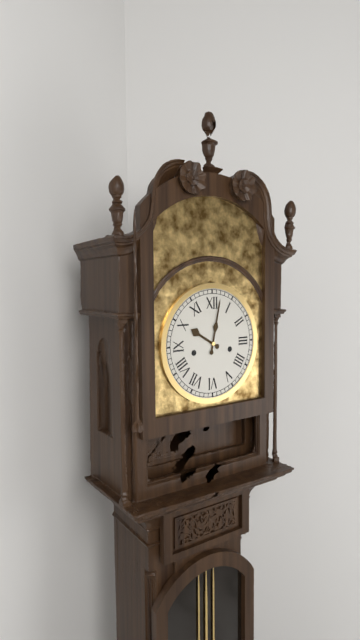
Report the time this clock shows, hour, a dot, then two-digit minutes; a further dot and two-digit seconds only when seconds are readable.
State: 10.02
